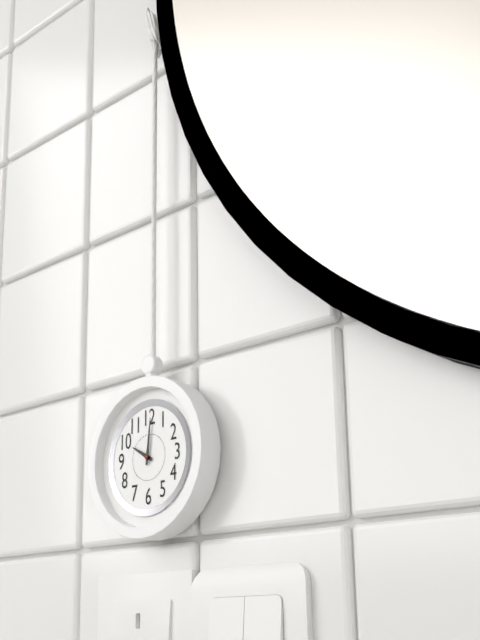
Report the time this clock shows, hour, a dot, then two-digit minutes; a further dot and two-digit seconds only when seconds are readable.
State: 10.01
